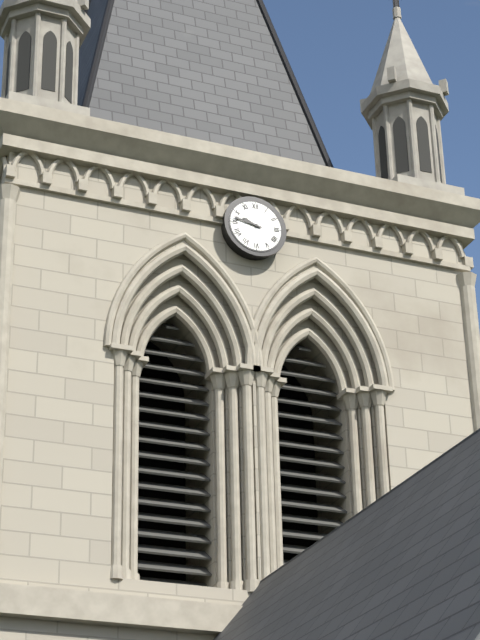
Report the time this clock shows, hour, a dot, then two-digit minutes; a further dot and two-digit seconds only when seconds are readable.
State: 9.47
